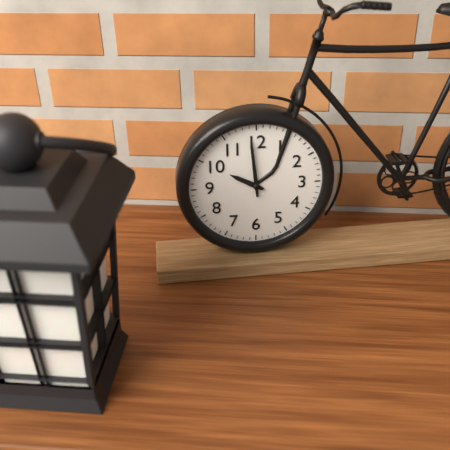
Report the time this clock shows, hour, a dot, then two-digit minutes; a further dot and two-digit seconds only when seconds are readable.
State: 9.59
